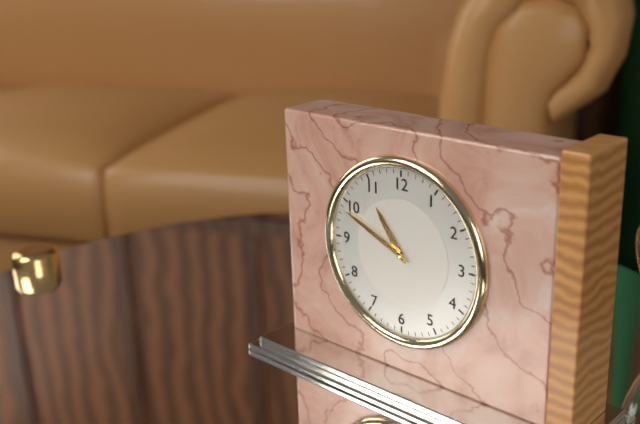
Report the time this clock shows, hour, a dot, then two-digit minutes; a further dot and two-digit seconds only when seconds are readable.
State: 10.49
